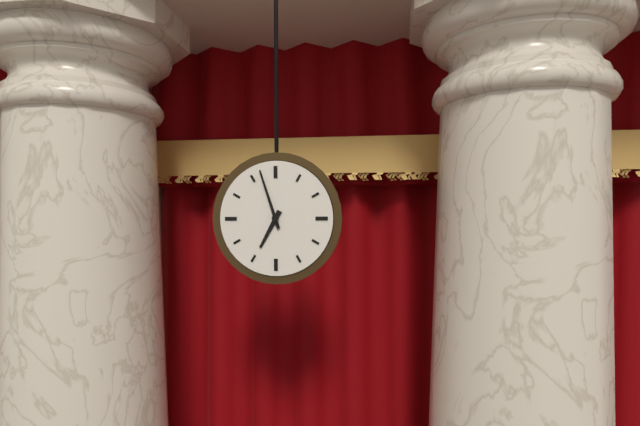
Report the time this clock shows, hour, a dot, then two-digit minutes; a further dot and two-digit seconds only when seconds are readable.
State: 6.57
